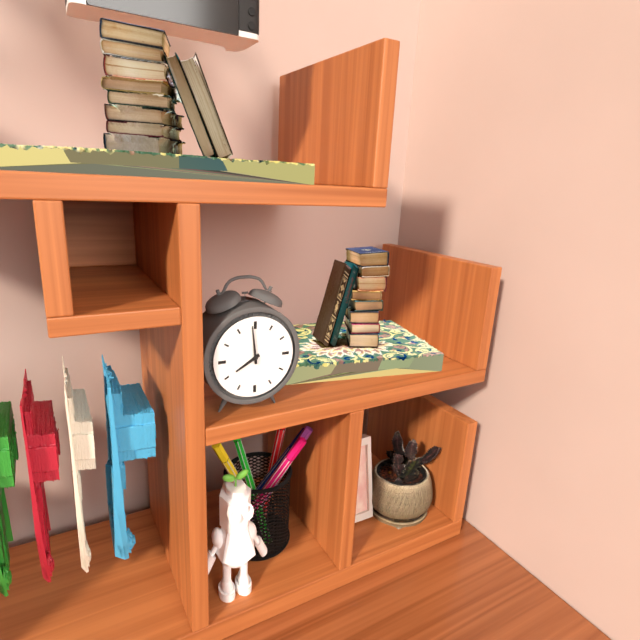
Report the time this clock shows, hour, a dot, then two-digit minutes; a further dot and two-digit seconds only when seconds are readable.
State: 7.59
